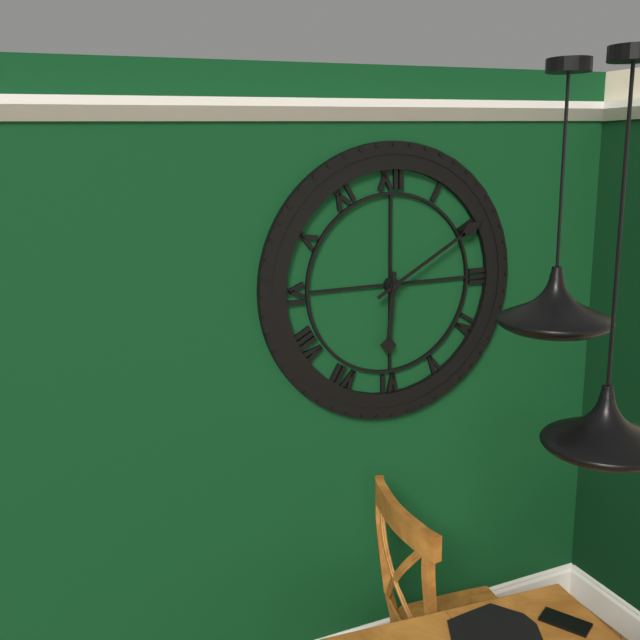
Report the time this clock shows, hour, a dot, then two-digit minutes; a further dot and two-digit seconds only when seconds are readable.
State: 6.10
